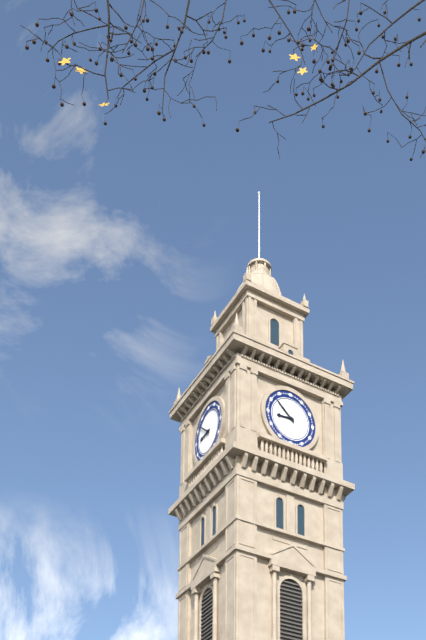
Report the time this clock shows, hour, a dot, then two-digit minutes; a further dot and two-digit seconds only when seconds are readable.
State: 8.52
